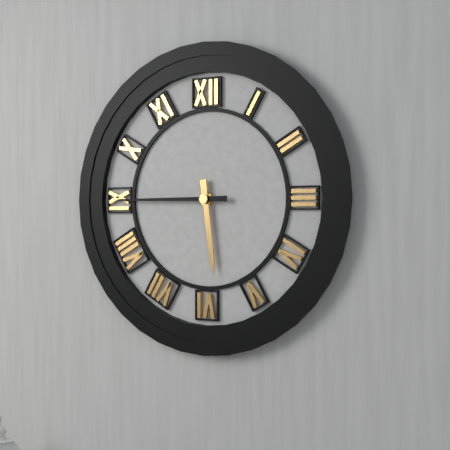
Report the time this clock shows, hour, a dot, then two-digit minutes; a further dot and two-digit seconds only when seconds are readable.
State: 5.45
